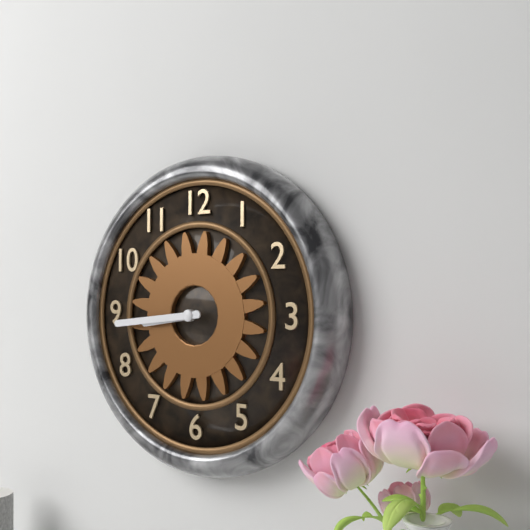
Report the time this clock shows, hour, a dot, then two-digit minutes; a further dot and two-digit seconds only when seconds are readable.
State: 8.44
